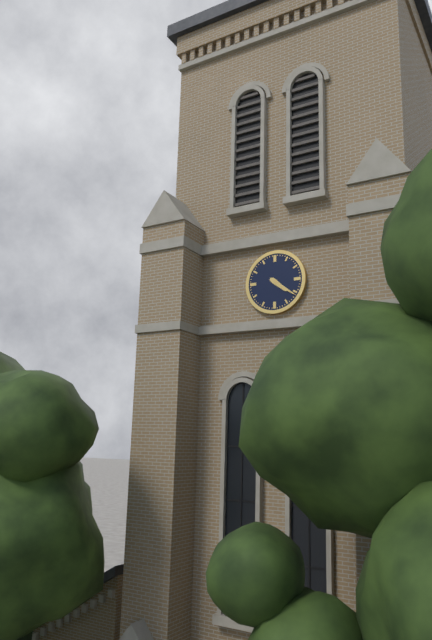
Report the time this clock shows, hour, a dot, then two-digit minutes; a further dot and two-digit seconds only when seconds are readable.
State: 4.21
